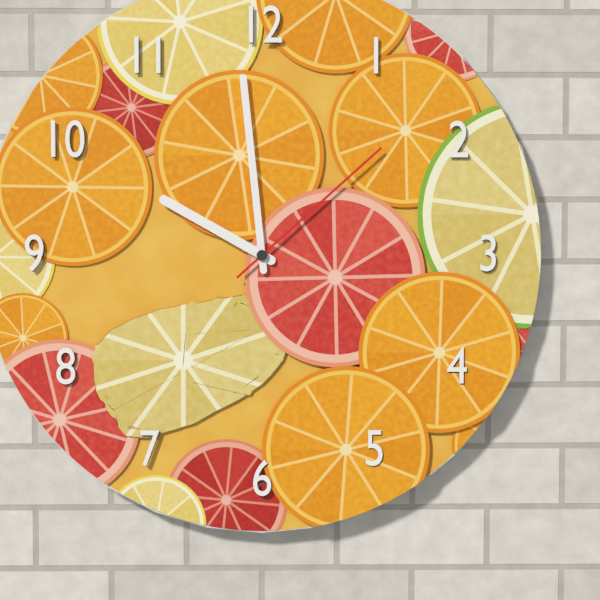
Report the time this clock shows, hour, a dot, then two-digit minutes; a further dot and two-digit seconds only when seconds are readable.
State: 9.59.08
